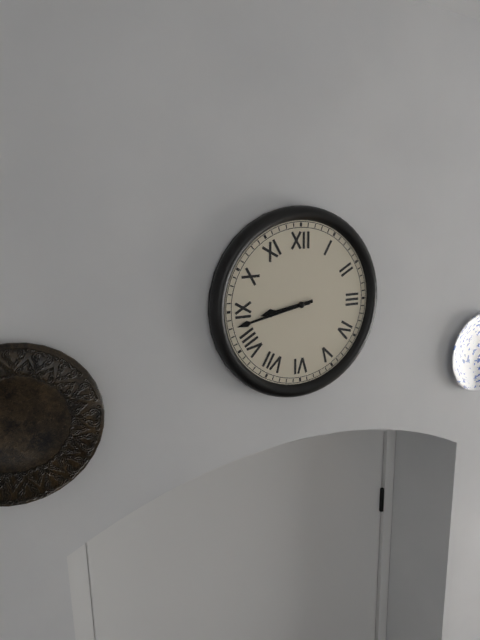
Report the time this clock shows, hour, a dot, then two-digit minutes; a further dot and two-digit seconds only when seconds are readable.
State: 8.43
